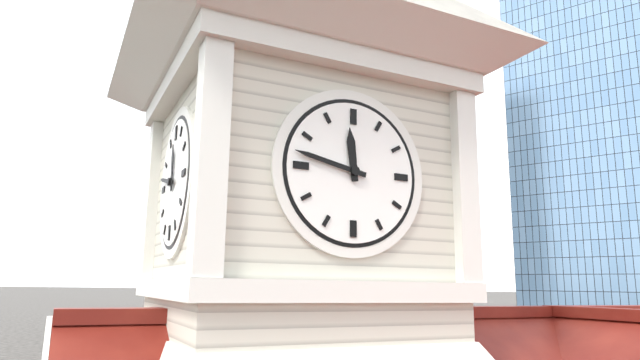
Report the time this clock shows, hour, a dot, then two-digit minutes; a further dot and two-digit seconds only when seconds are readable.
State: 11.47
